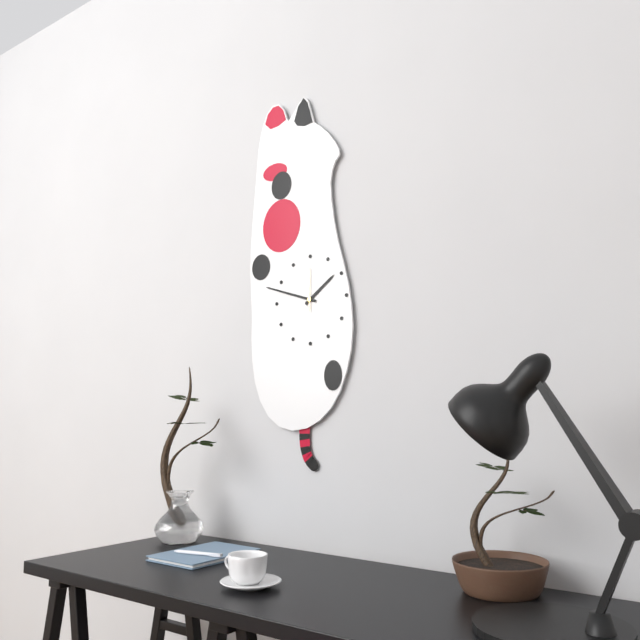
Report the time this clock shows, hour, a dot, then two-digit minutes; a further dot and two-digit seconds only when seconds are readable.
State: 1.48
